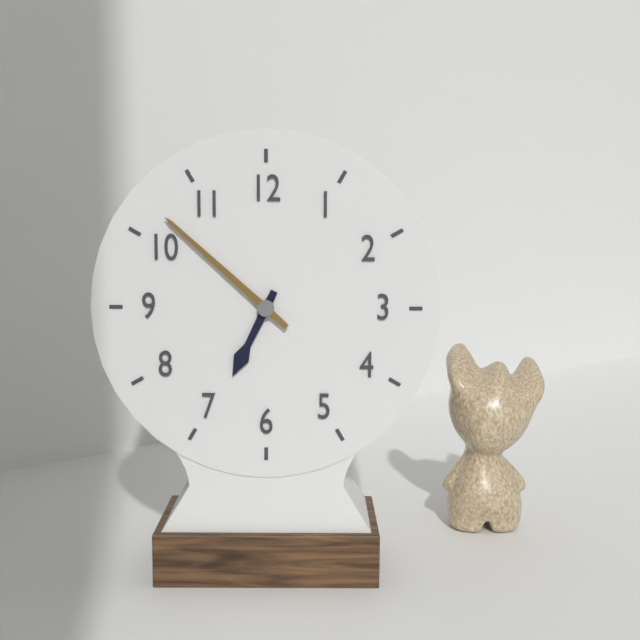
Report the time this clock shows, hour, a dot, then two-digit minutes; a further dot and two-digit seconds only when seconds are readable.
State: 6.52
